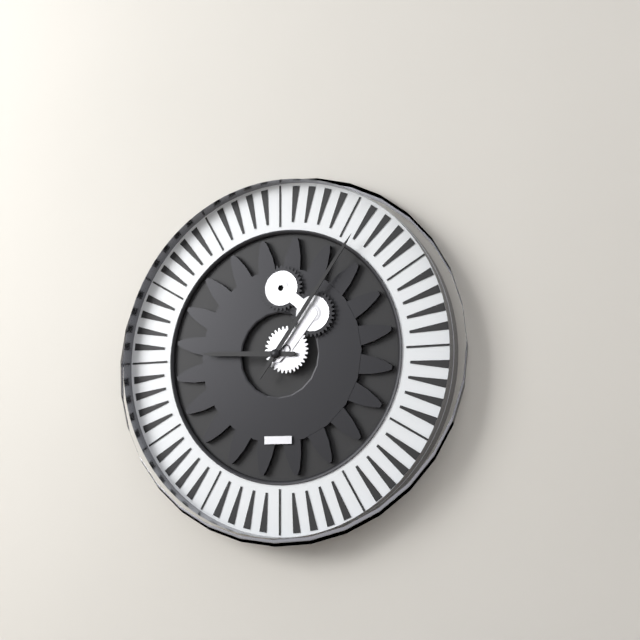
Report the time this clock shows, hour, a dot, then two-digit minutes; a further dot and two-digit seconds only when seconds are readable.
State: 9.06
